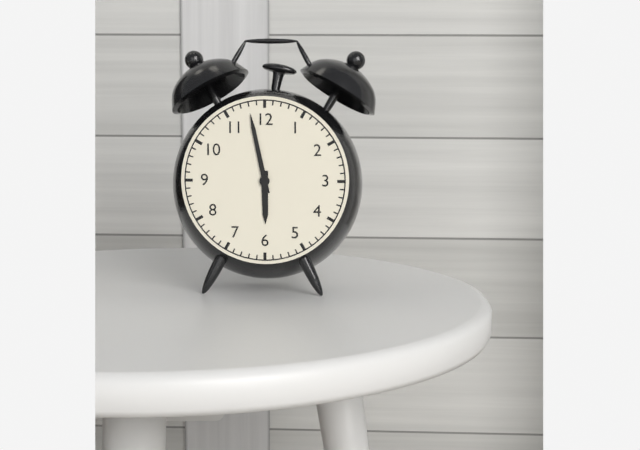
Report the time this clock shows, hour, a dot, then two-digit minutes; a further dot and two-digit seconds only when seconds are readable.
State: 5.58
